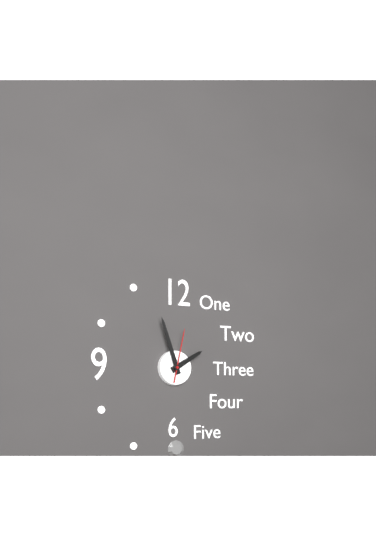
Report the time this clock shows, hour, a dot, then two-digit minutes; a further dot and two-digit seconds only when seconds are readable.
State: 1.57.02
